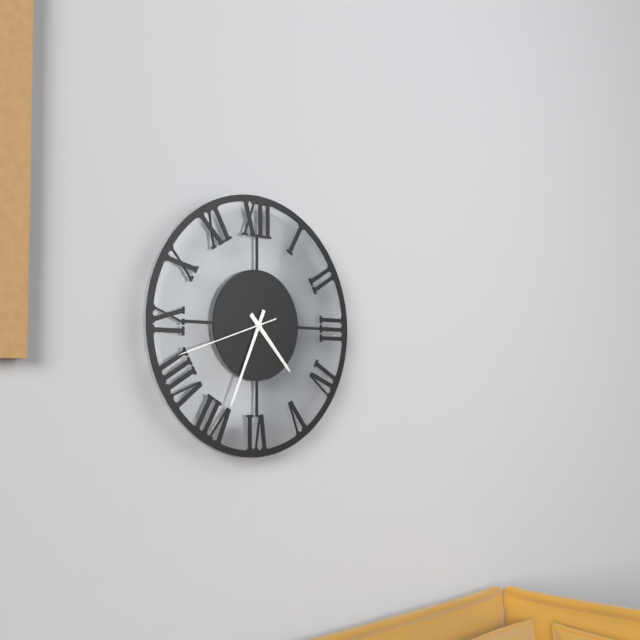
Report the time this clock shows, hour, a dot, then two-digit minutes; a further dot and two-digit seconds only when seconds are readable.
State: 4.34.42
